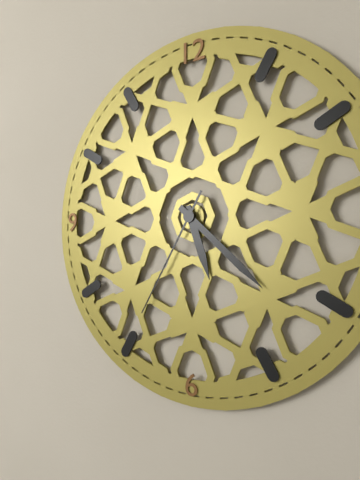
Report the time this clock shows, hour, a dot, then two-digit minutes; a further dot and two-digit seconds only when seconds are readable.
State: 5.22.35
